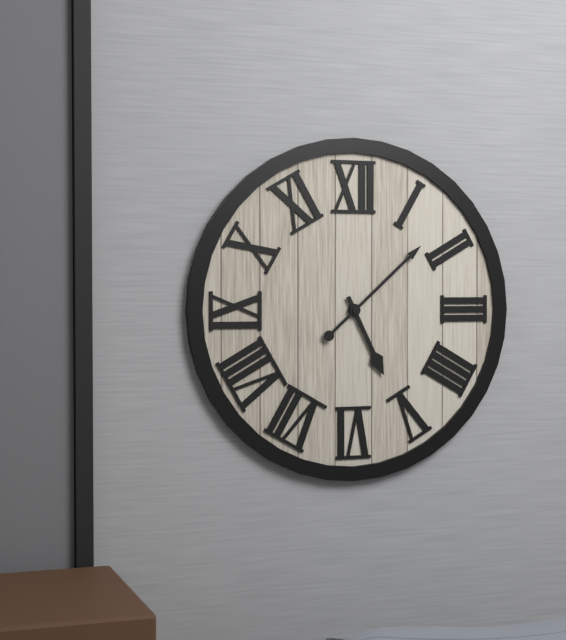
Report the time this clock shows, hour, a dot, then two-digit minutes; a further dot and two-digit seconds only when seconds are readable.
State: 5.08
